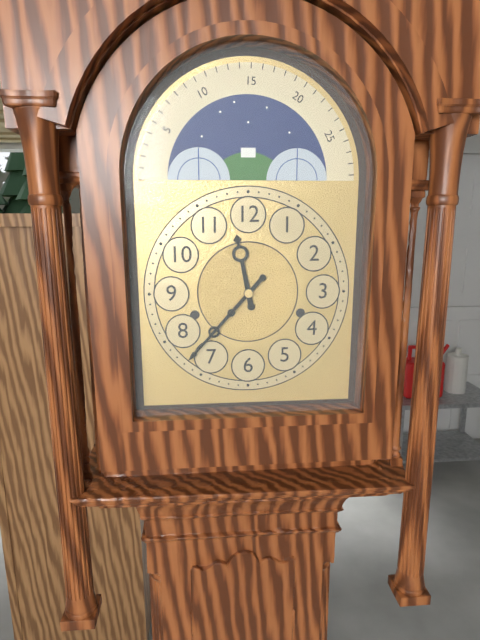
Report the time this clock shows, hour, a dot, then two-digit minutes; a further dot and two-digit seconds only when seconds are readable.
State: 11.37
